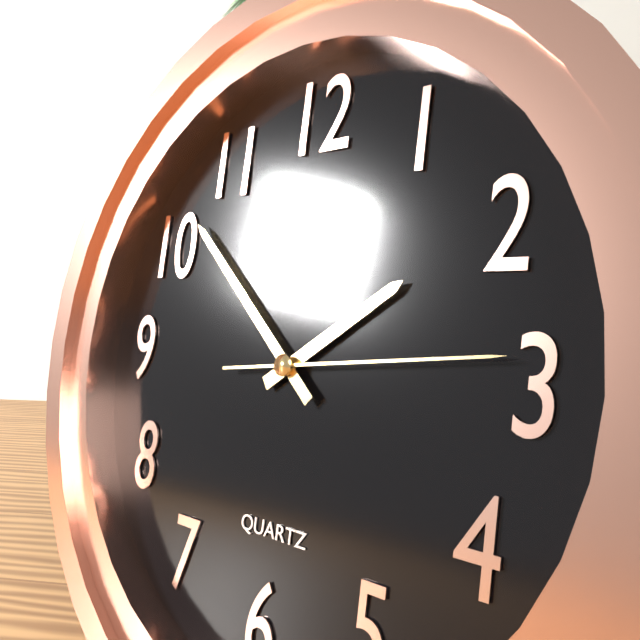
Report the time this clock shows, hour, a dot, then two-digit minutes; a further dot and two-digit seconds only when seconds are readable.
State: 1.52.14
